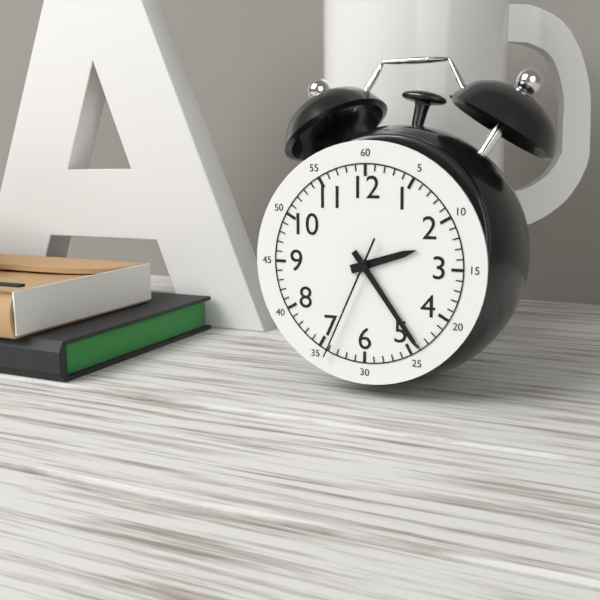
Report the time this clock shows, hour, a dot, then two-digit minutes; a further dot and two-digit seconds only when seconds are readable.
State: 2.24.34
